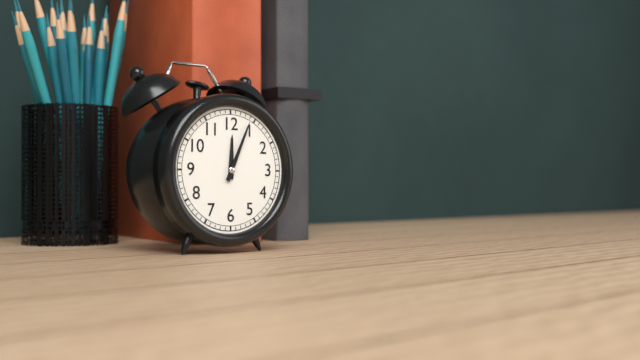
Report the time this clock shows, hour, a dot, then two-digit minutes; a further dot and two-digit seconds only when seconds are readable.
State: 12.04
